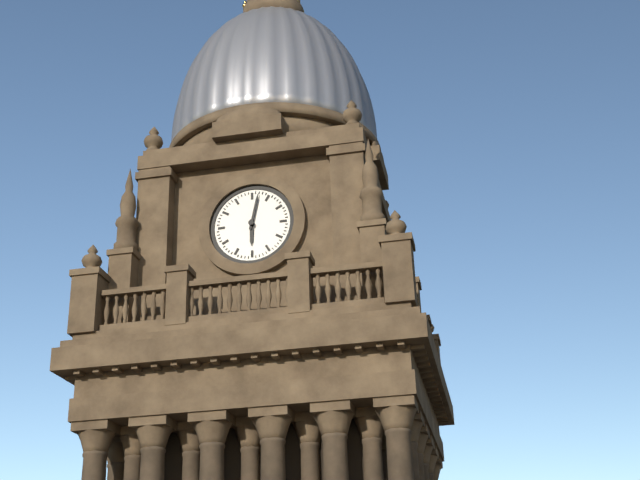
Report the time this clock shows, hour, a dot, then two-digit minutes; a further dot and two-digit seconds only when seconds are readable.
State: 6.02
